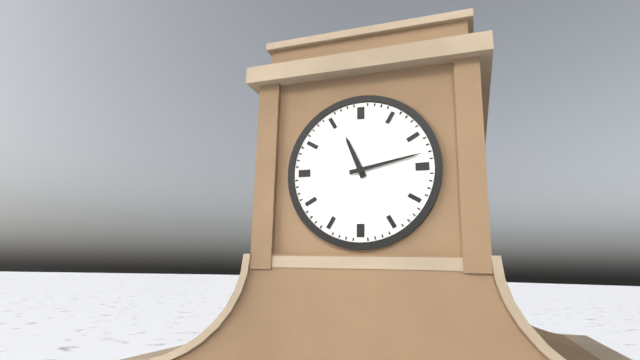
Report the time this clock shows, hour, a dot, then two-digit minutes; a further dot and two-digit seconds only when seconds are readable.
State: 11.13
